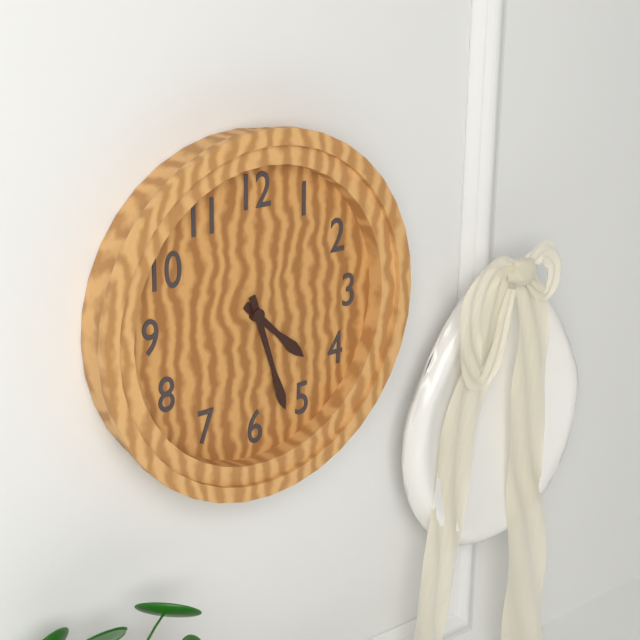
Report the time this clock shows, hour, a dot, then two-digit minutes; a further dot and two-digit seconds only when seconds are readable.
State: 4.27
